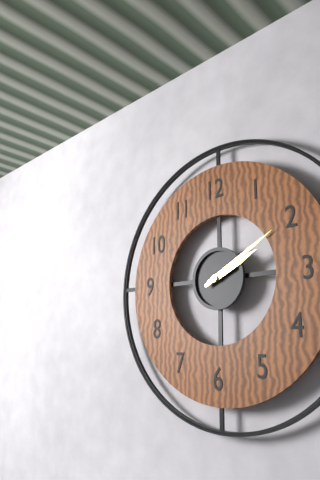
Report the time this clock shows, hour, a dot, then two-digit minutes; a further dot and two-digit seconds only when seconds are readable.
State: 2.10
